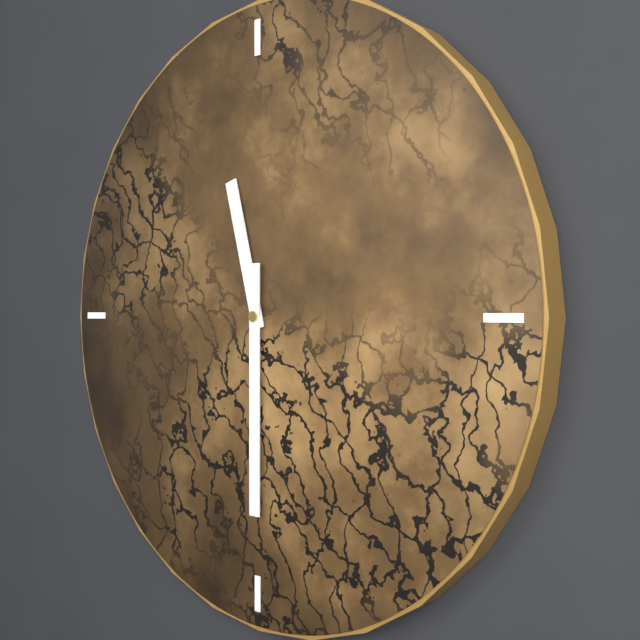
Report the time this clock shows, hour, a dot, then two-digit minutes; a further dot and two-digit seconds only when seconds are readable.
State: 11.30
